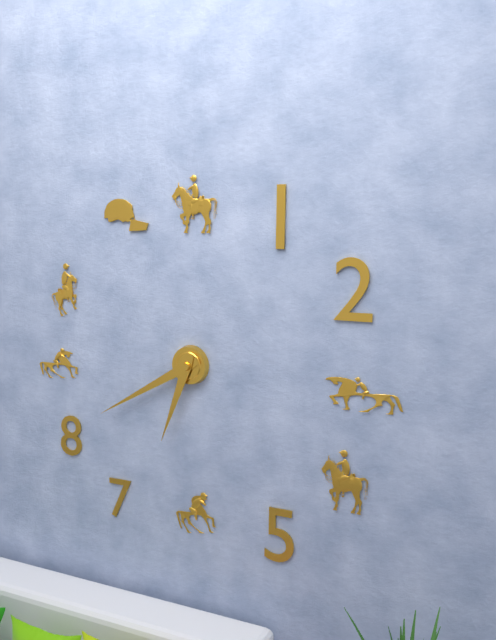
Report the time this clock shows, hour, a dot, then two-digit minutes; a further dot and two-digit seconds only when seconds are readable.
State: 6.40
